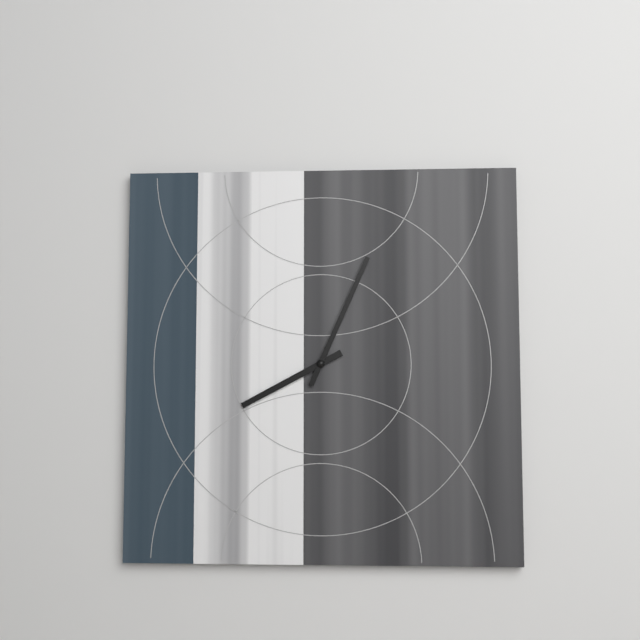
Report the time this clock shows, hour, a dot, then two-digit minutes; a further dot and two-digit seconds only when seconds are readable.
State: 8.04
